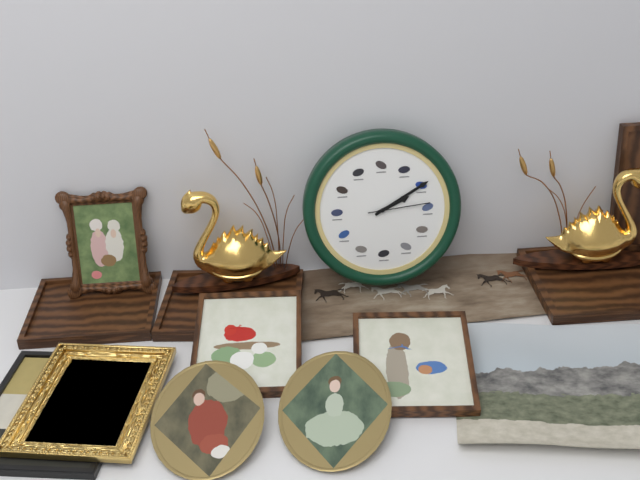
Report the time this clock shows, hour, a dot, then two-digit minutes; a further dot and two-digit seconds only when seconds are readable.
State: 2.10.14
